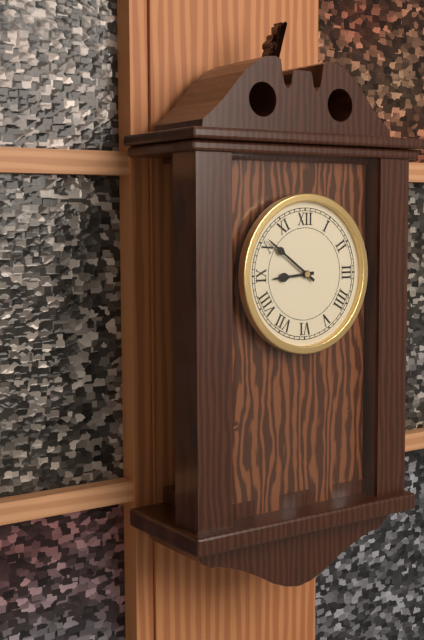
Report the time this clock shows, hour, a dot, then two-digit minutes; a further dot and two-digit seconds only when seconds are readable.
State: 8.51
